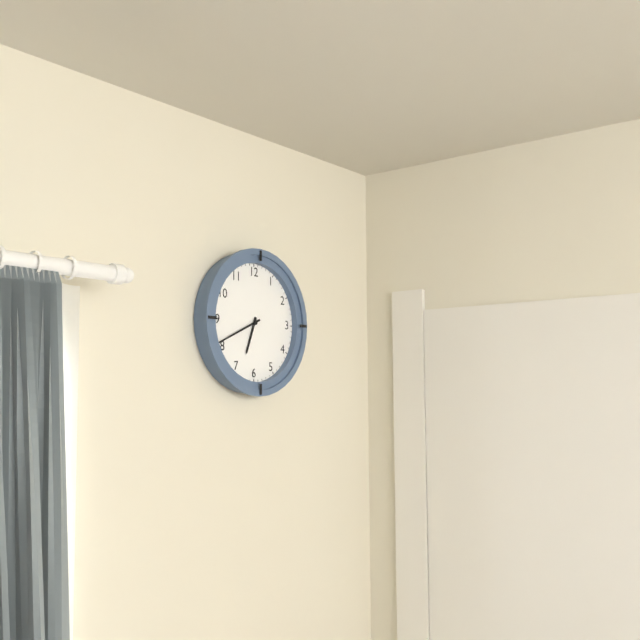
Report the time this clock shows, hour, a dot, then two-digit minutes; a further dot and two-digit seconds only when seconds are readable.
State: 6.41
